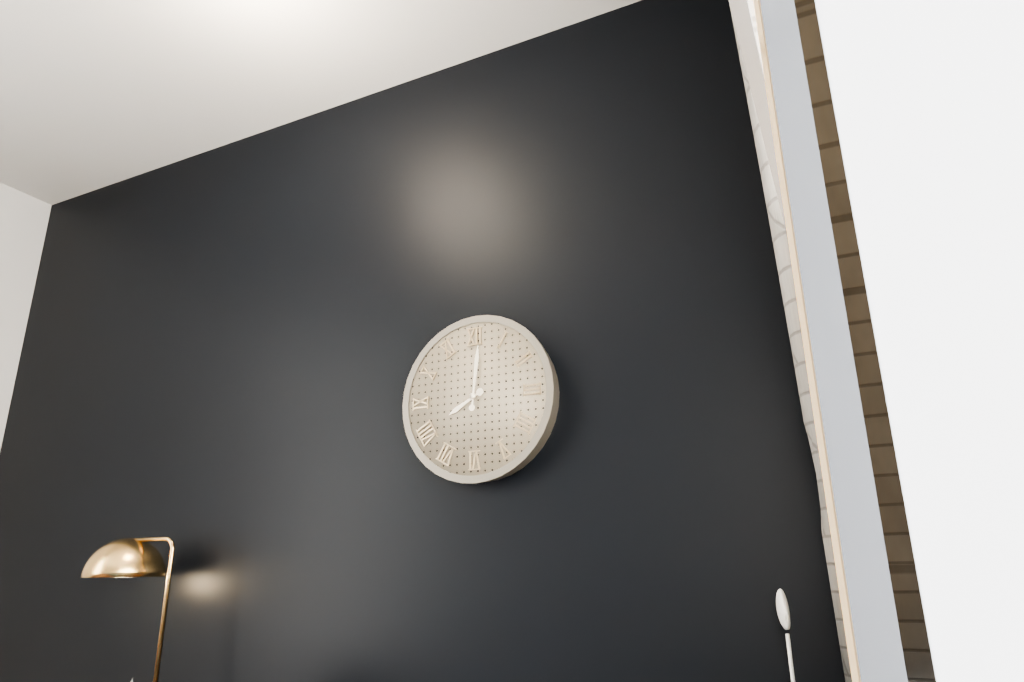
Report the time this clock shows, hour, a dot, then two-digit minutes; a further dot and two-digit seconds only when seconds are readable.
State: 8.01
